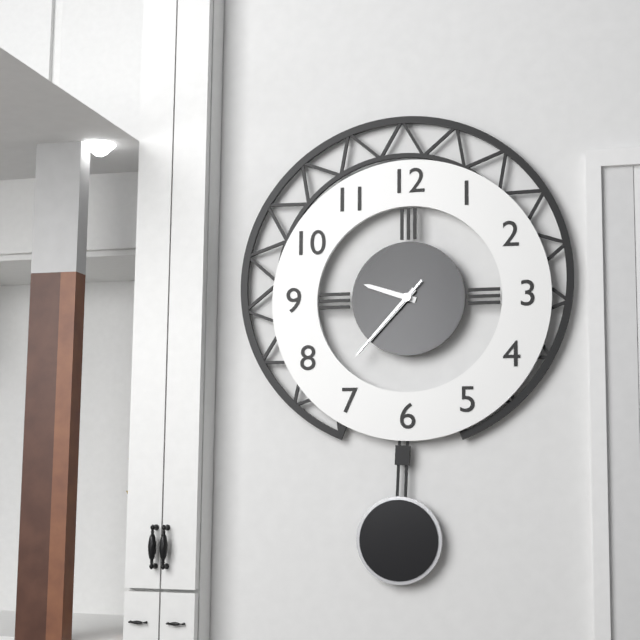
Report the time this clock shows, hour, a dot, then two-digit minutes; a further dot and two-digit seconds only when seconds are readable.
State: 9.37.37
